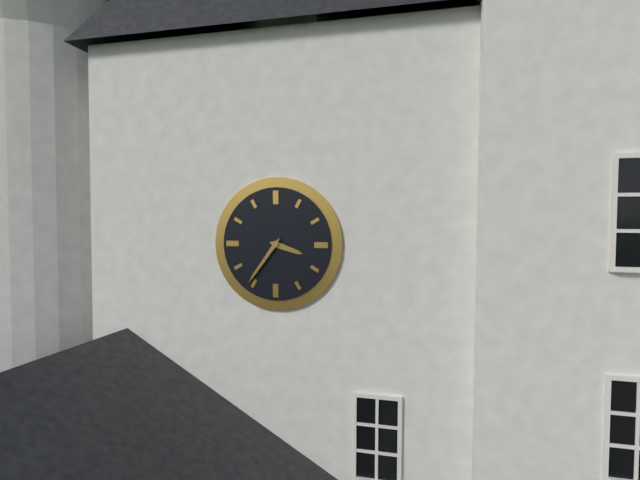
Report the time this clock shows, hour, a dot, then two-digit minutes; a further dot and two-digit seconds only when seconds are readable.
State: 3.36
